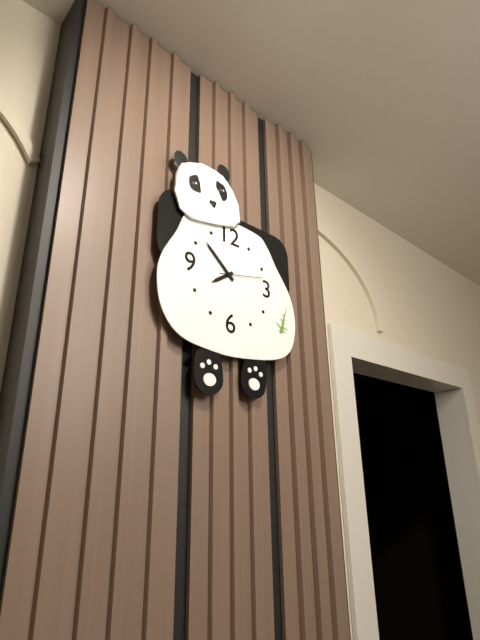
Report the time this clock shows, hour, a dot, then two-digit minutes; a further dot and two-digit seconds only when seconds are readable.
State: 7.52
